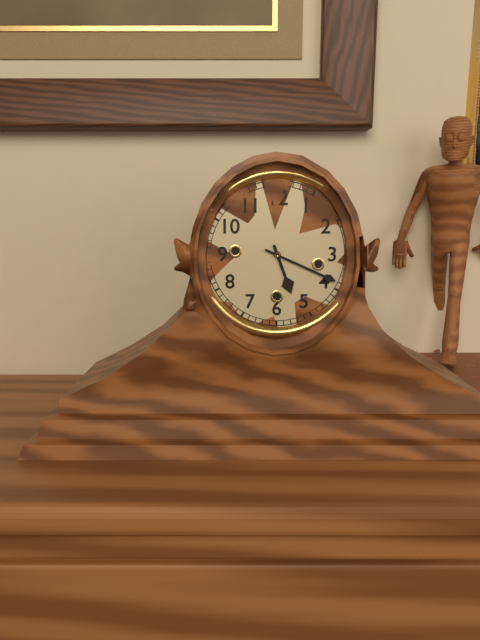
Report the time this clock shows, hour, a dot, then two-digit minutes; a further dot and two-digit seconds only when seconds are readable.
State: 5.19
